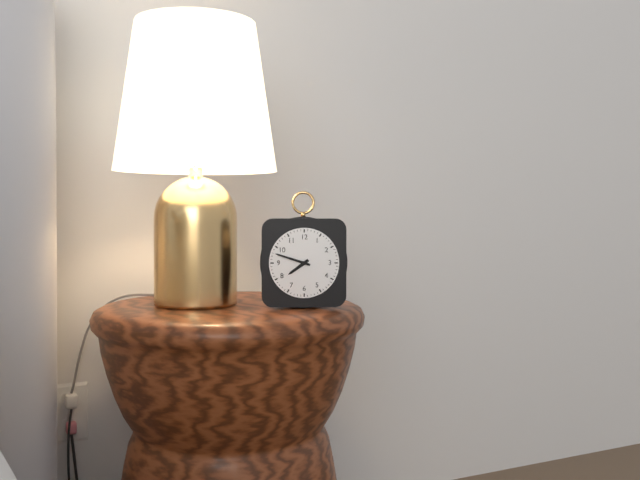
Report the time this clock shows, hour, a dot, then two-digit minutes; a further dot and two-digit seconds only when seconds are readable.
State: 7.48
